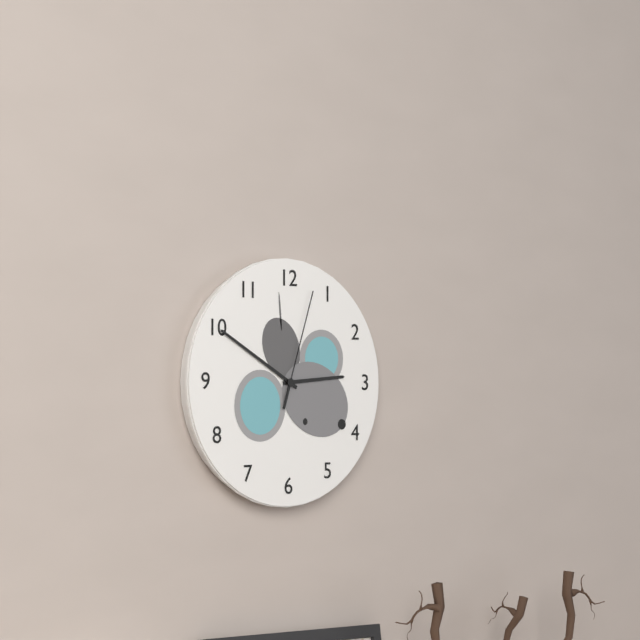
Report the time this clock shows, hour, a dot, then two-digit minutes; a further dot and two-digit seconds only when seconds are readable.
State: 2.50.03
